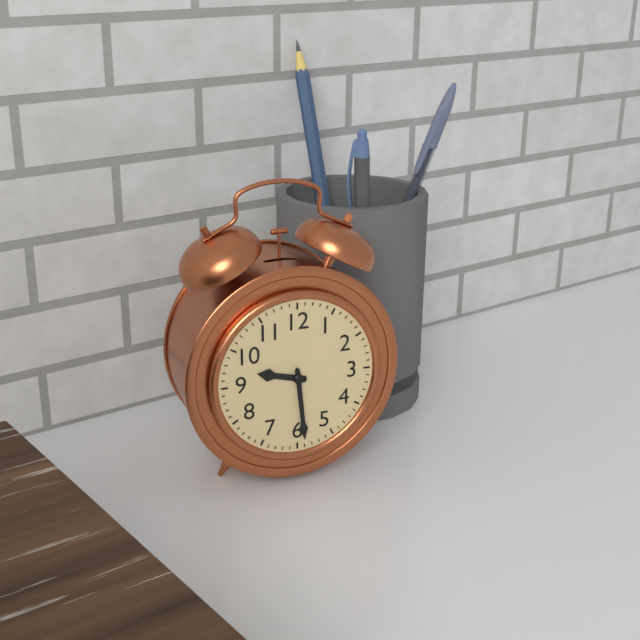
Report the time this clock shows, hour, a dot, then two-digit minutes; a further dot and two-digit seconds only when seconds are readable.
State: 9.29
